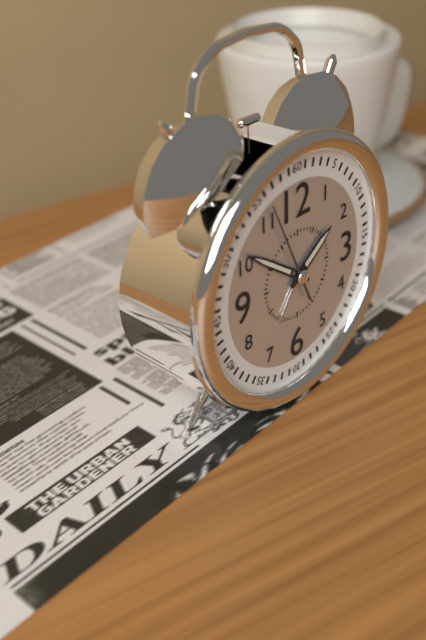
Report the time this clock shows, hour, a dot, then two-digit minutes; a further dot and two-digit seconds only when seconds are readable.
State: 1.51.56
